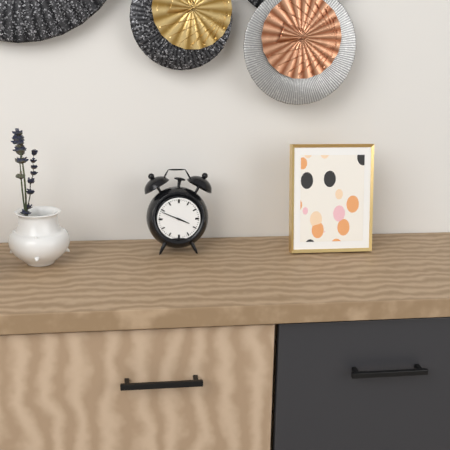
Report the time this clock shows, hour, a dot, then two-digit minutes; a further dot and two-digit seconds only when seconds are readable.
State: 3.49
